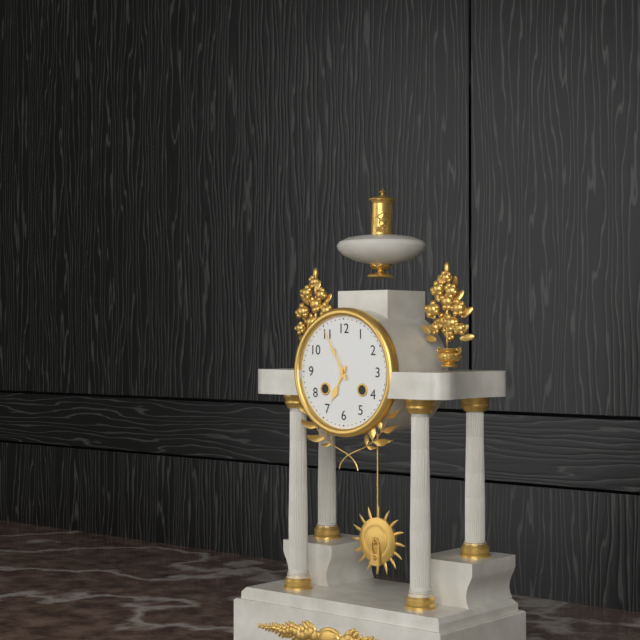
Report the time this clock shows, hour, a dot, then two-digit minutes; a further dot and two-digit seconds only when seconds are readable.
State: 6.55
